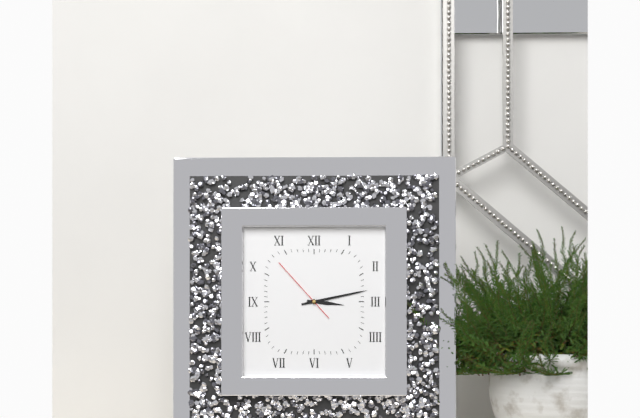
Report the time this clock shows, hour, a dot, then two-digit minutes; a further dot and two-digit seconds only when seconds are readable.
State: 3.13.53
